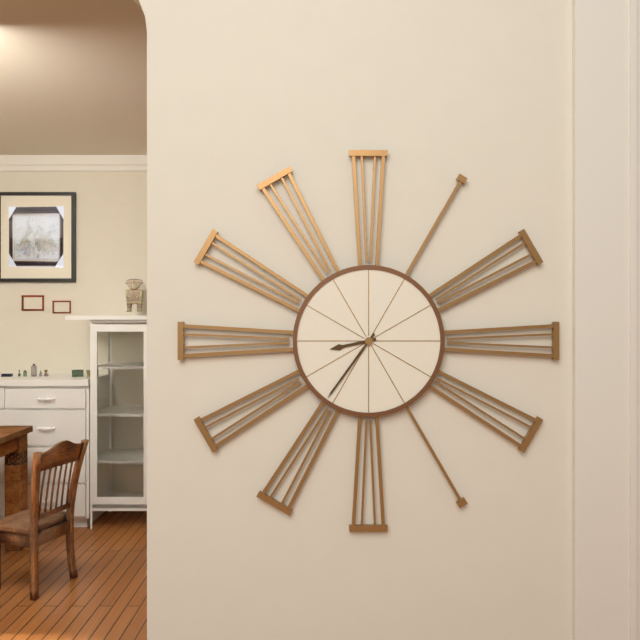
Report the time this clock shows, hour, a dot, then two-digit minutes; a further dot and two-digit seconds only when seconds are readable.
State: 8.36
